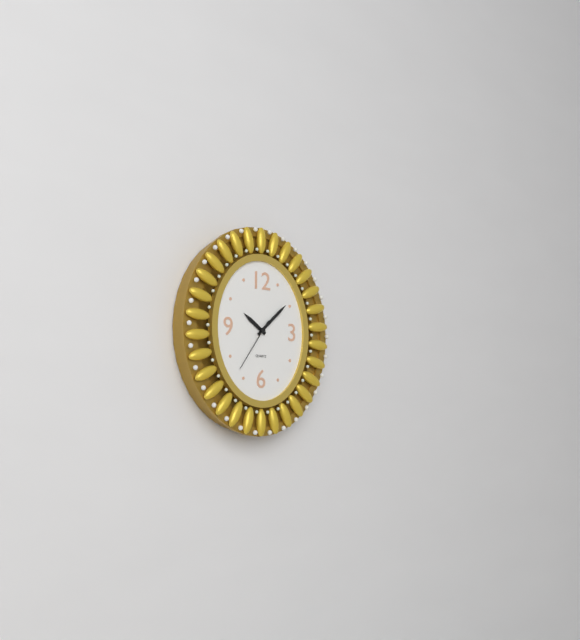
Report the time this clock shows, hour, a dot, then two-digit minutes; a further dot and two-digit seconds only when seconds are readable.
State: 10.08.36
